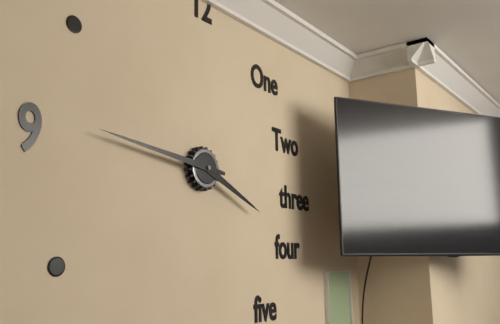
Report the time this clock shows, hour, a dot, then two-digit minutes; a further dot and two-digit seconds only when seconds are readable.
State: 3.46
